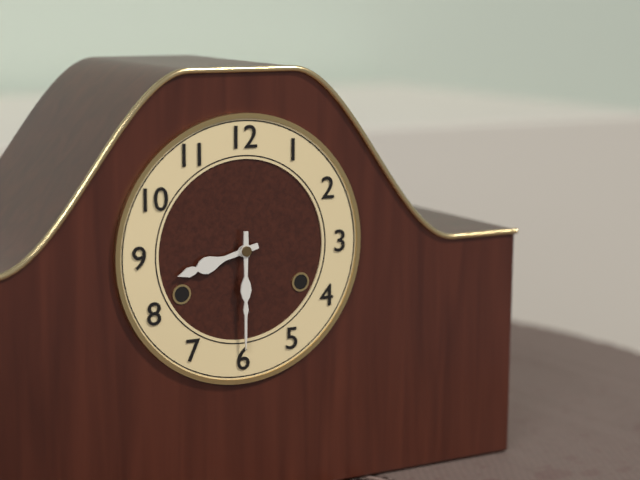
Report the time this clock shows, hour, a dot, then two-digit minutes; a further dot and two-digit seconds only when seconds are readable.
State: 8.30
